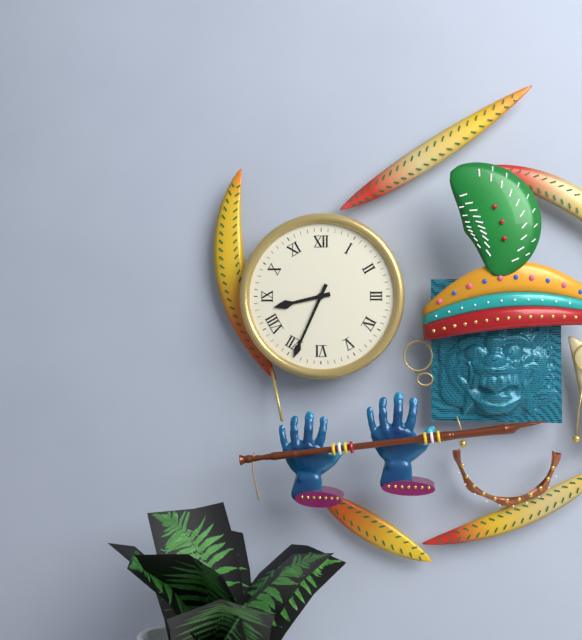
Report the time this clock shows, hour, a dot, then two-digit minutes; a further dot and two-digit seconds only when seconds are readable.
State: 8.34
